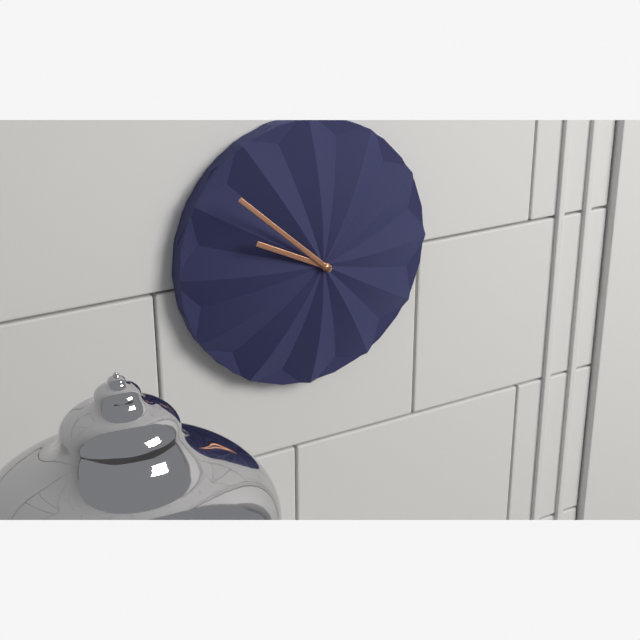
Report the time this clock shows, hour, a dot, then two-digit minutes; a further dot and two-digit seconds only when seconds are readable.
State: 9.52
